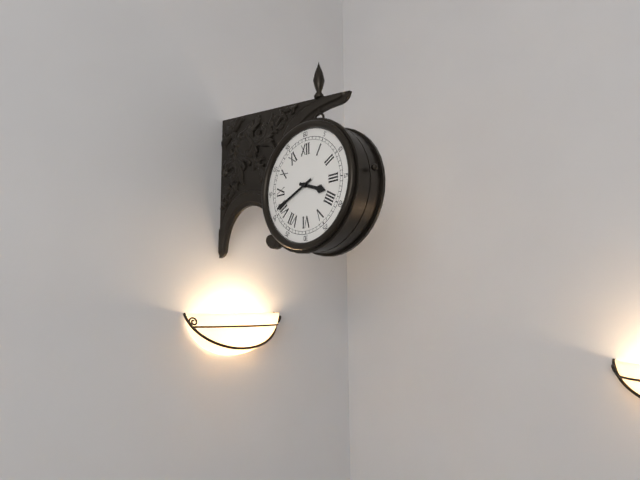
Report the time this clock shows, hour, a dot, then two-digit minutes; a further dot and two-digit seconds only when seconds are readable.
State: 3.41
